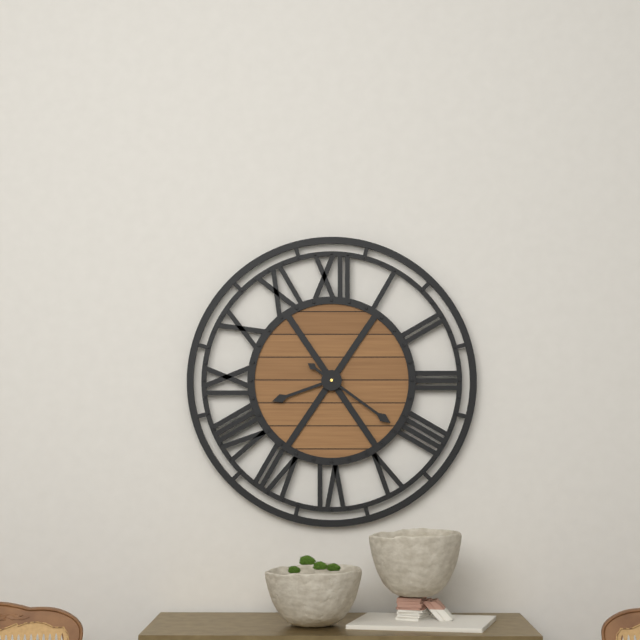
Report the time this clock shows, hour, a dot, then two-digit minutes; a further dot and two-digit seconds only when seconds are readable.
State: 8.21
